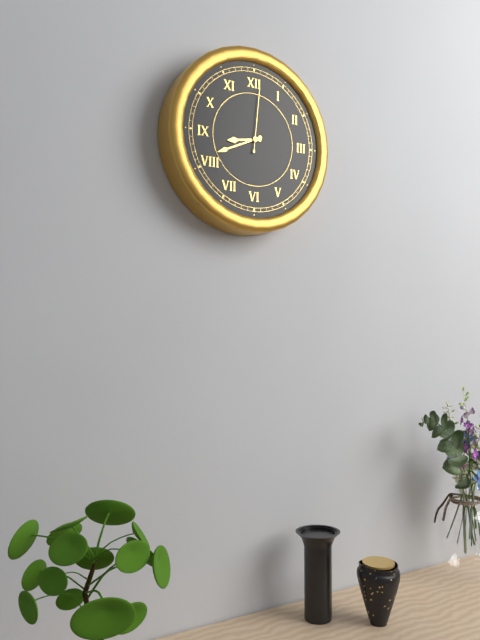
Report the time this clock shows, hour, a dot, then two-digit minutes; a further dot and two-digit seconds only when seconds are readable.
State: 8.41.01
